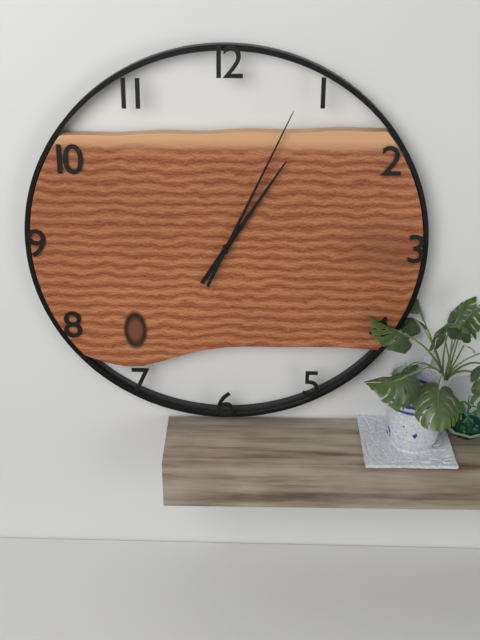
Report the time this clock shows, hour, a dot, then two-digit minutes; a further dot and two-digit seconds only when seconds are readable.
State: 1.04
